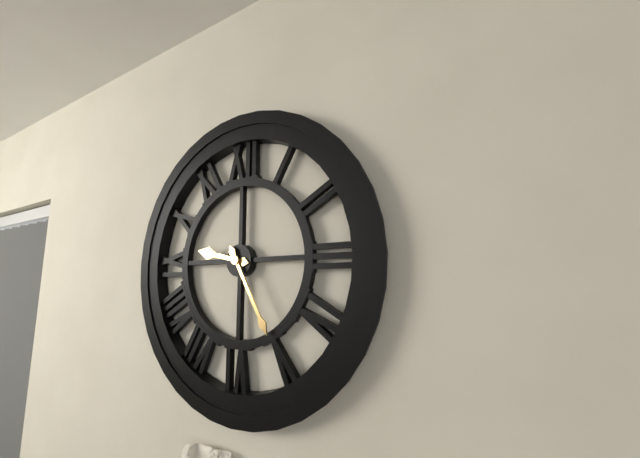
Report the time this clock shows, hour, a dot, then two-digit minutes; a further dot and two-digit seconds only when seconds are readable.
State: 9.25
